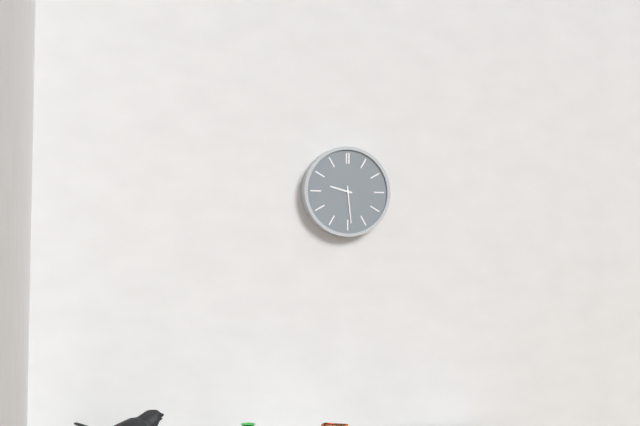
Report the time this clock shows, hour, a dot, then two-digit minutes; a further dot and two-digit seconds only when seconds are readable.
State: 9.29
